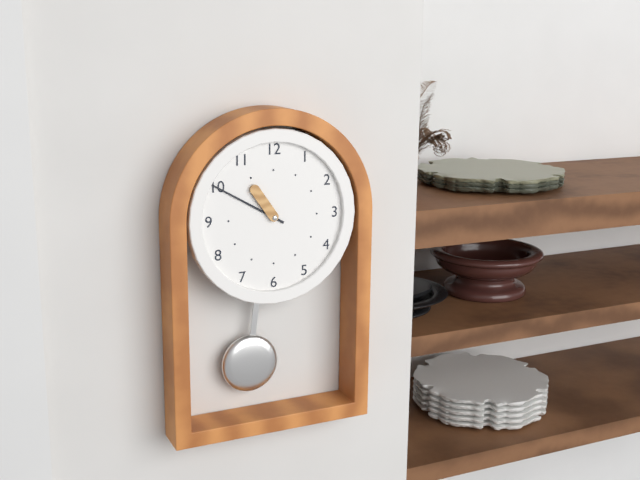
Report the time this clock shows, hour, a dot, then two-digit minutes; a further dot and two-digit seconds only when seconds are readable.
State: 10.50
